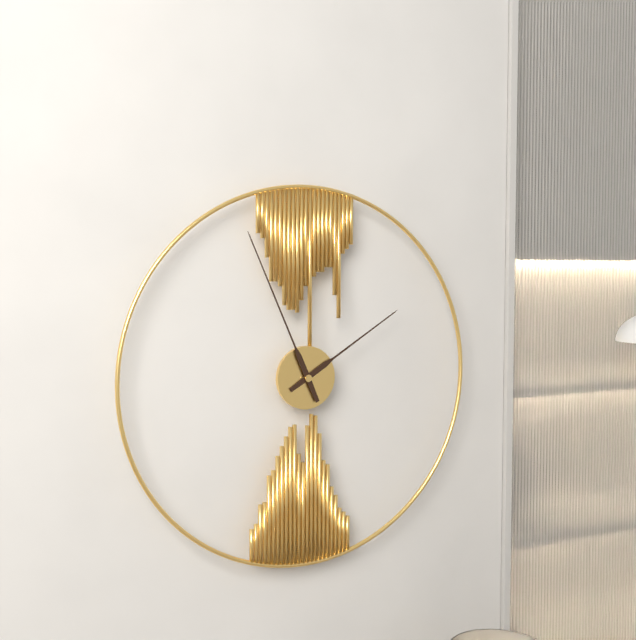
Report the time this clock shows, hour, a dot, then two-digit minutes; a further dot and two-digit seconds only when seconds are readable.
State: 1.56
